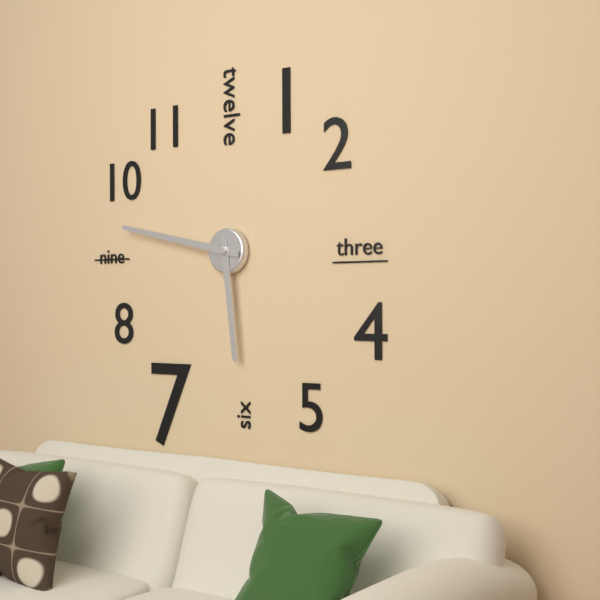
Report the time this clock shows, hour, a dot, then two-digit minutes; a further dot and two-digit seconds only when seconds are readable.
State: 5.47
